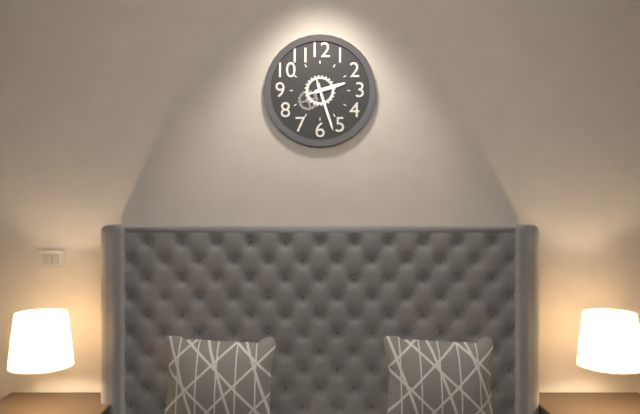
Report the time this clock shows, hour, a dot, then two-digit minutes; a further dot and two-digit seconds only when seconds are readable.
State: 2.27
